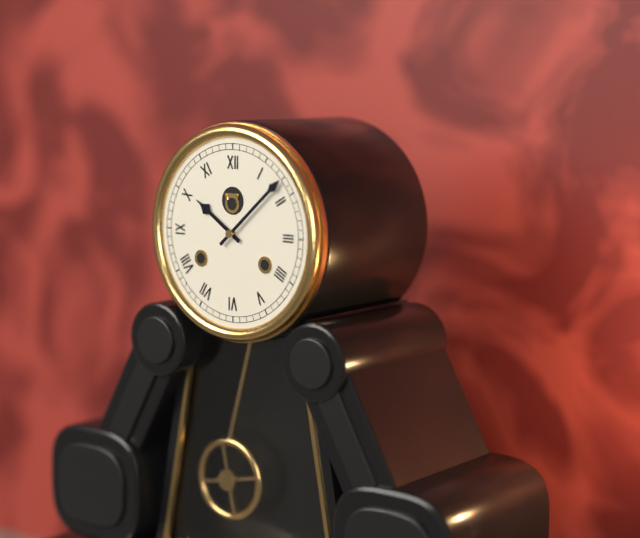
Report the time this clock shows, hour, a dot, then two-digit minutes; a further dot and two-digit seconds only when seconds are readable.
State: 10.08
